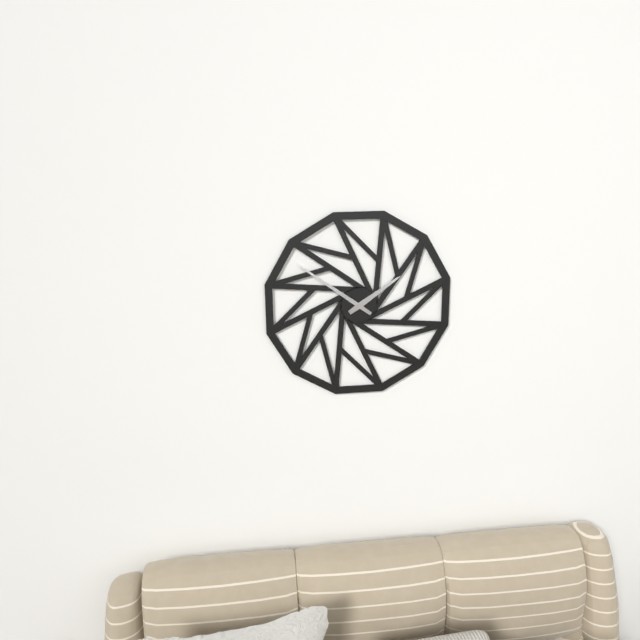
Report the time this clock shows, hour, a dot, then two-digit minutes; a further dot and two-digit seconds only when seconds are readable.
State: 1.51
